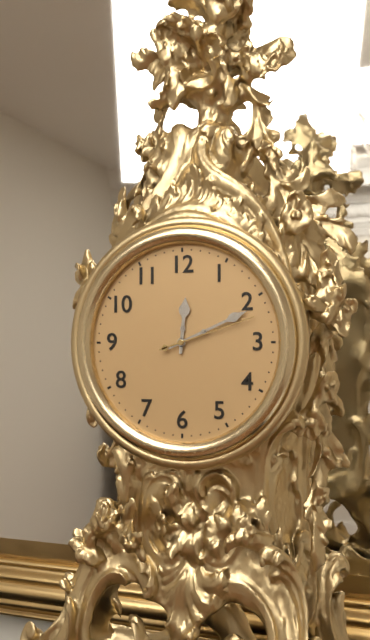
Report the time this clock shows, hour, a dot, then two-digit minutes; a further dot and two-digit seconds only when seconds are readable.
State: 12.11.12
